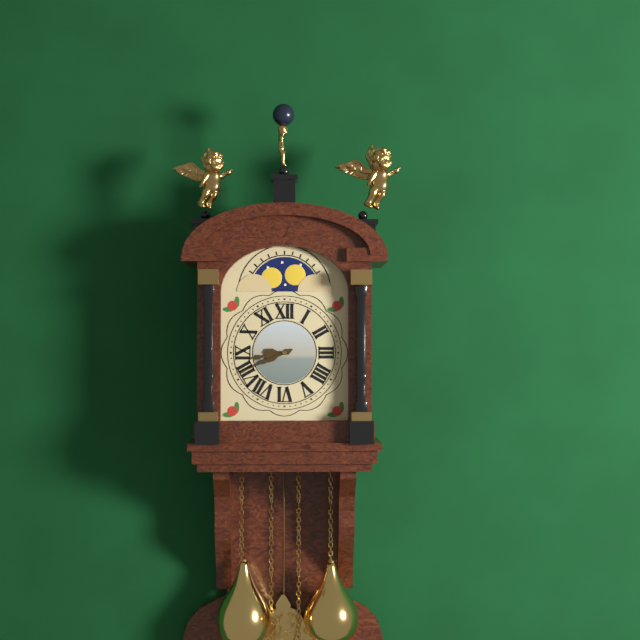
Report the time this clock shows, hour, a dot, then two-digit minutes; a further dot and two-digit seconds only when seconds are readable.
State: 8.41
